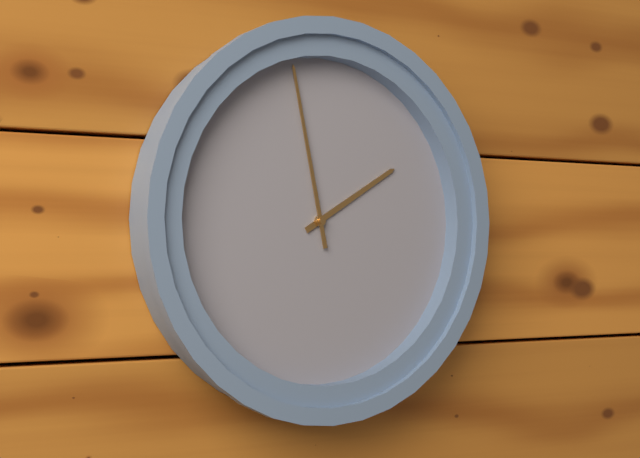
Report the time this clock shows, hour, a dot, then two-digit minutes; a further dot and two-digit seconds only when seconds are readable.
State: 1.58
